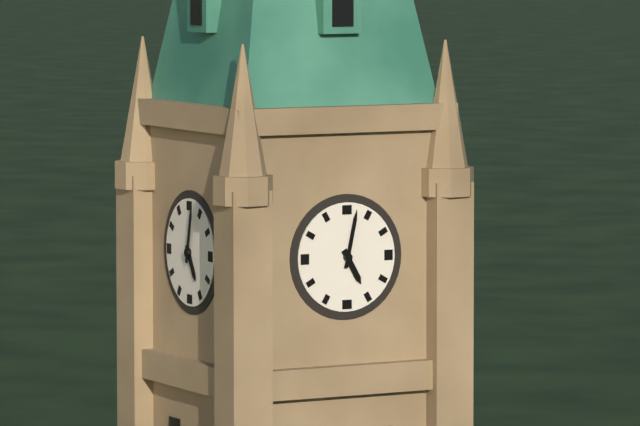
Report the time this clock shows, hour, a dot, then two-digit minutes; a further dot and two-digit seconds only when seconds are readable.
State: 5.02
